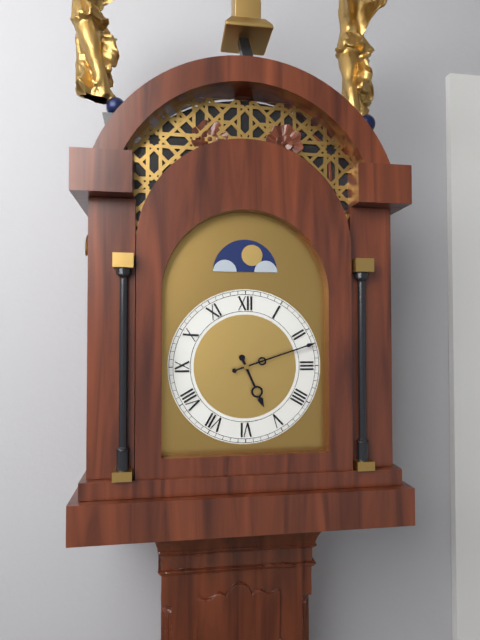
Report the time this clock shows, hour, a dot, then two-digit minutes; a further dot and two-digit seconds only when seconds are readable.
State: 5.12
